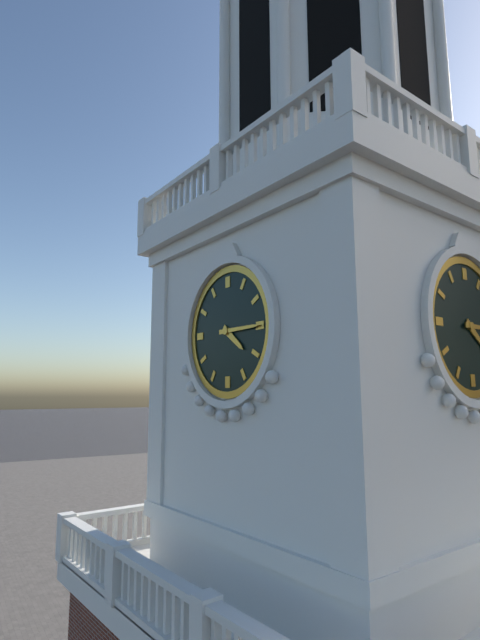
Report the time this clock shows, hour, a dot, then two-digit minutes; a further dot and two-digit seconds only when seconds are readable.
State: 4.15
